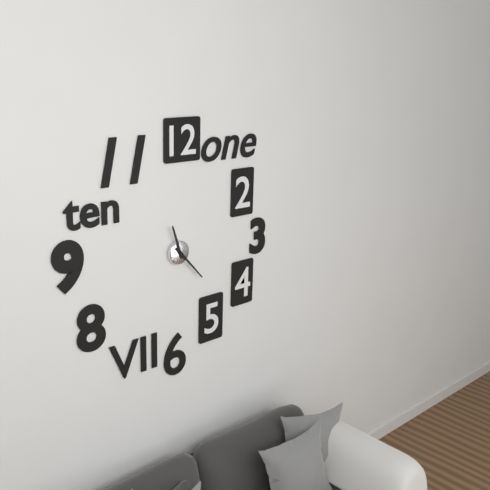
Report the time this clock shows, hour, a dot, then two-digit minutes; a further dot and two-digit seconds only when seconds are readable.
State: 11.23
